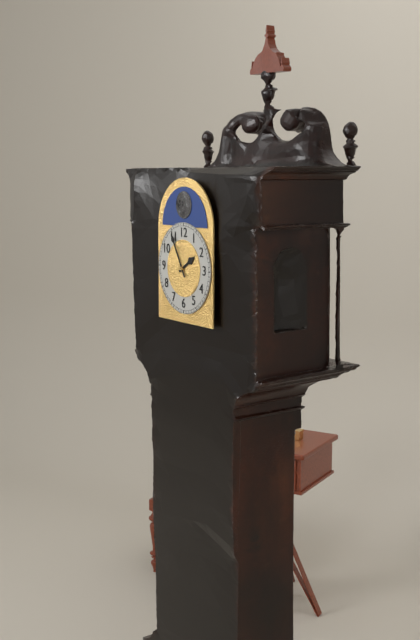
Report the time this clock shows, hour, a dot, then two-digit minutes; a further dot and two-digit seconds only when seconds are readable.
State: 1.55
